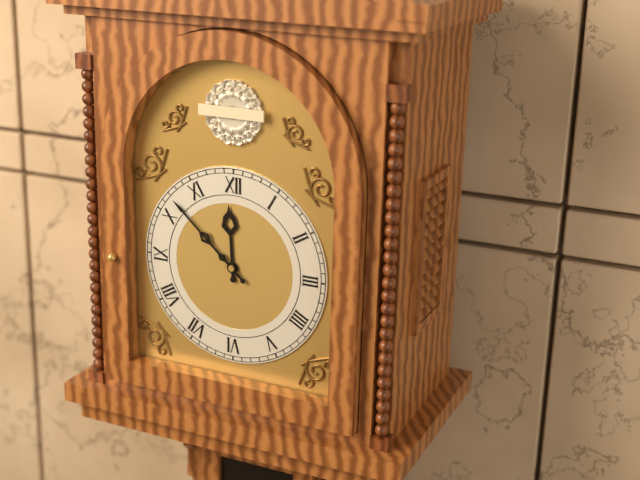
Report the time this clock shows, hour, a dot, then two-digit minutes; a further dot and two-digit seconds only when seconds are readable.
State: 11.52
